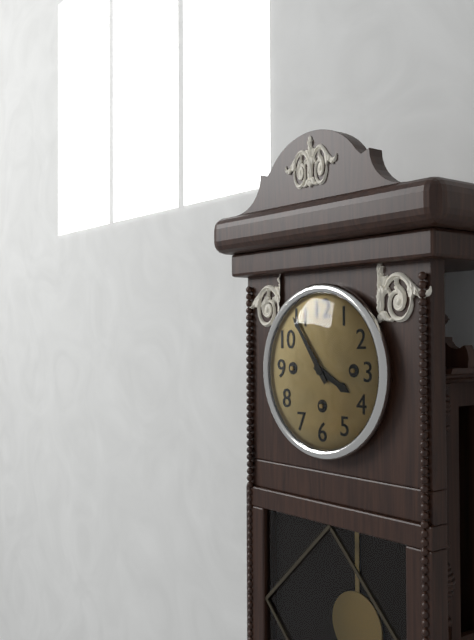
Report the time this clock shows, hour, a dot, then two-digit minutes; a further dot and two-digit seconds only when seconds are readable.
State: 3.54
